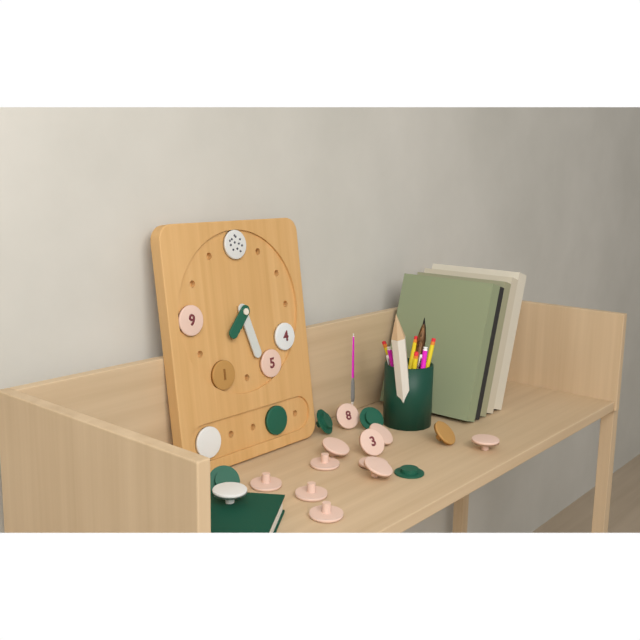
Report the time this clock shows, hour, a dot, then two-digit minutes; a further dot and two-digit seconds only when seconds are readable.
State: 7.27
